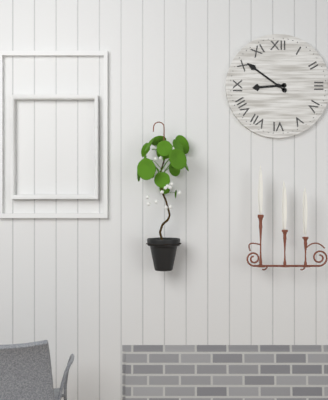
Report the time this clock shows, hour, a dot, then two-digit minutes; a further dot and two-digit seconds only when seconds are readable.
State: 8.51
